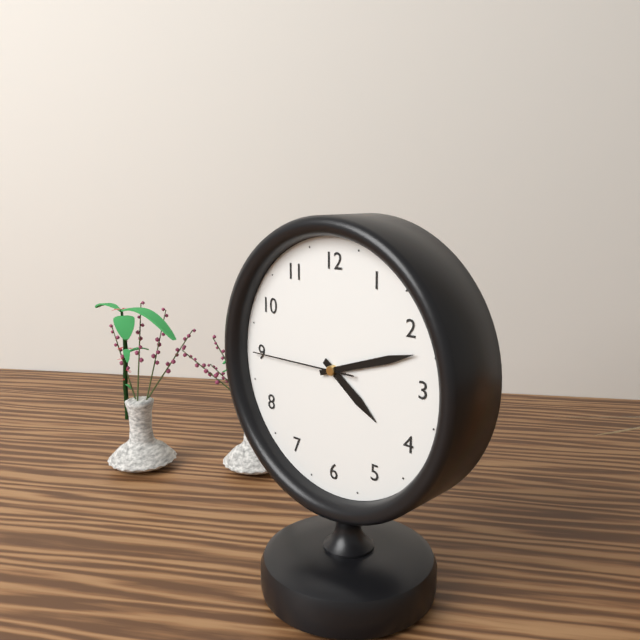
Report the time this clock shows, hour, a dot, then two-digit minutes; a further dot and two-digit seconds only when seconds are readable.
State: 4.12.45
